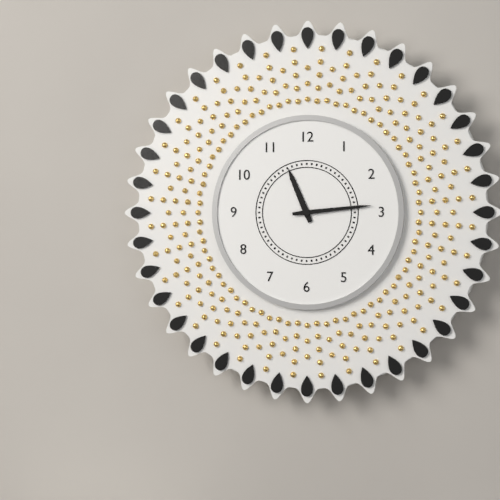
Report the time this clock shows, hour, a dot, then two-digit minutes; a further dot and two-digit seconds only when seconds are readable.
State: 11.14
